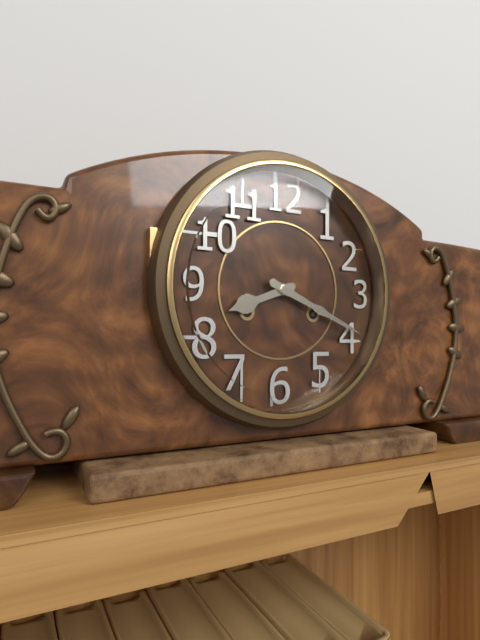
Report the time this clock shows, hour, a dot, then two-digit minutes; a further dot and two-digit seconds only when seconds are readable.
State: 8.19
